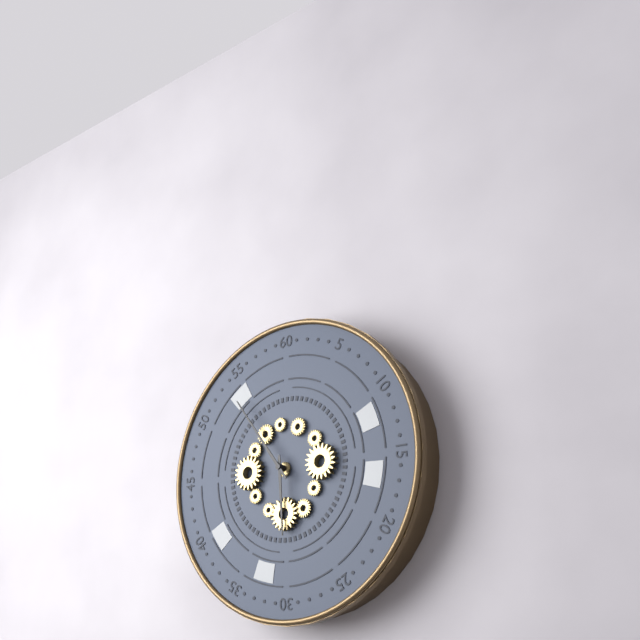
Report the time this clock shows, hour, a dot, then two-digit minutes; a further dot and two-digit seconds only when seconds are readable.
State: 5.54
